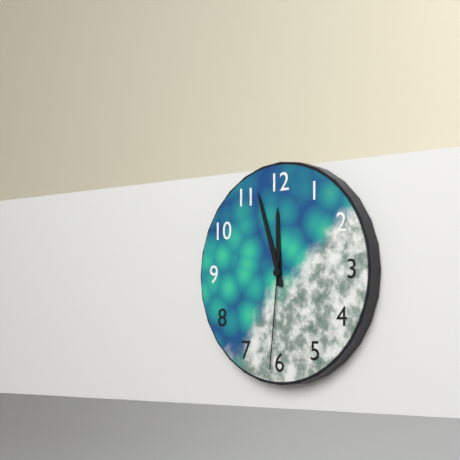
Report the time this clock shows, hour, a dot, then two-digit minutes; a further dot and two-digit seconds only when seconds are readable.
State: 11.57.31
